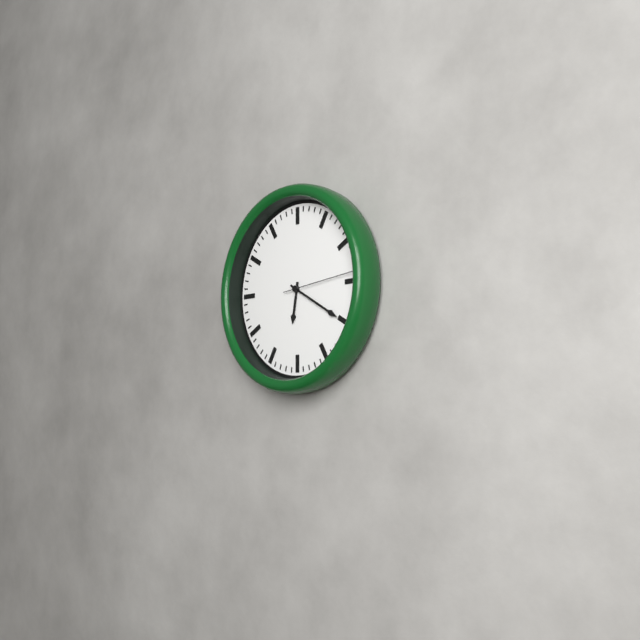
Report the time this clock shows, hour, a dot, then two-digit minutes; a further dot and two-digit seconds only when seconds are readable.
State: 6.20.14
